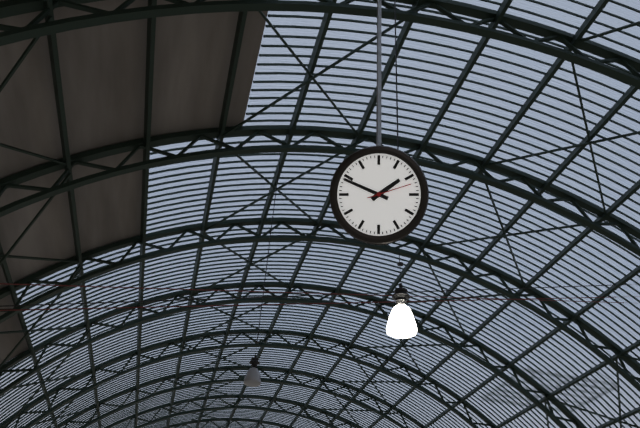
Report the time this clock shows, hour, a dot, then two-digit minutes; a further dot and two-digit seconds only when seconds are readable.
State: 1.49
